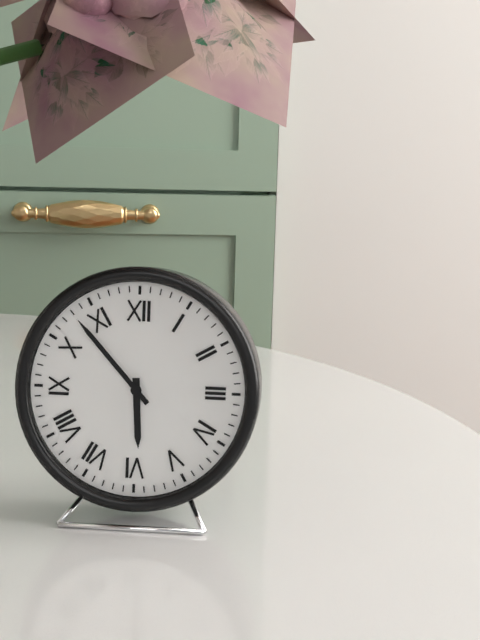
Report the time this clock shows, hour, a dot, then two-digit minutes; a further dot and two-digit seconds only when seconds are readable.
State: 5.53
